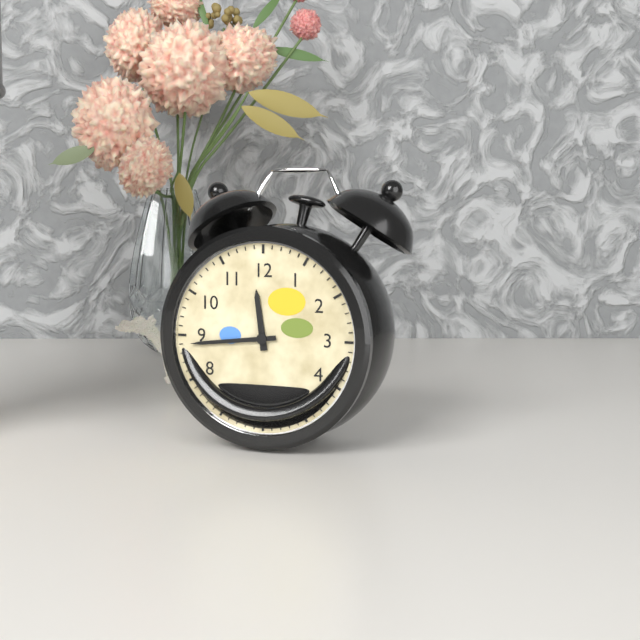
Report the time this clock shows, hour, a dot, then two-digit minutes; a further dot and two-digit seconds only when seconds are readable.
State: 11.44
